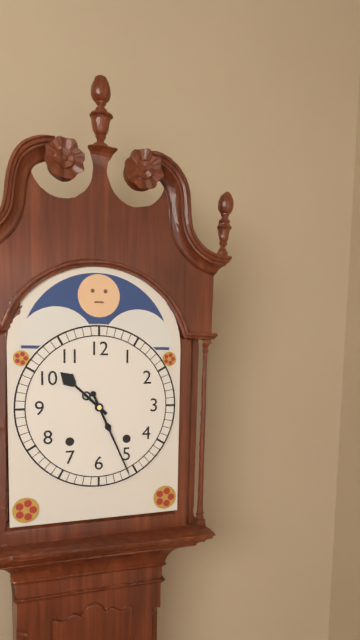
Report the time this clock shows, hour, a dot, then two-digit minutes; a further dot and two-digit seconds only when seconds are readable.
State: 10.26
